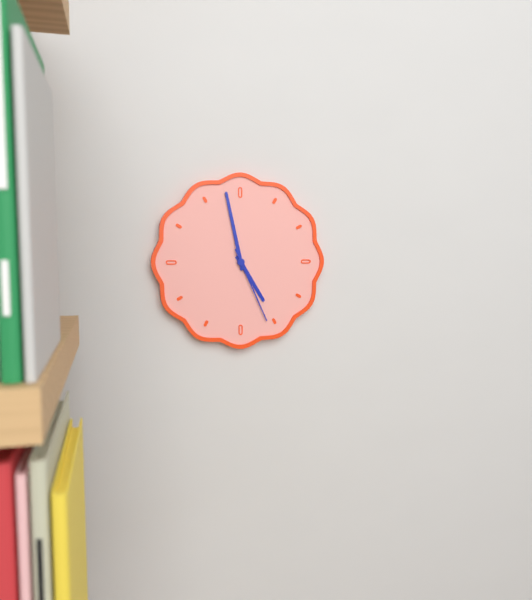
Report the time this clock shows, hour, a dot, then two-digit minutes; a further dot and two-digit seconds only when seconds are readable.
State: 4.58.26
